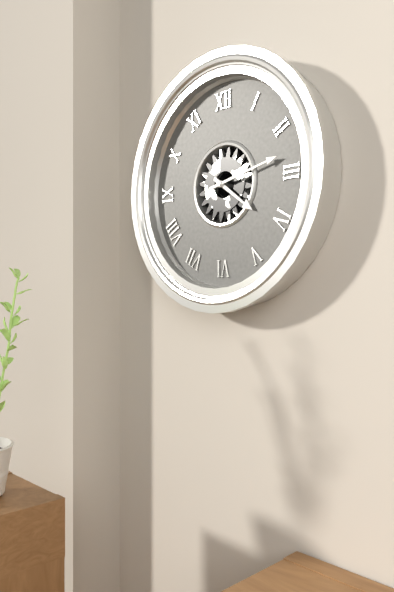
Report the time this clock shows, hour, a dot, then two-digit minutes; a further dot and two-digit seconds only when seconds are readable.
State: 4.13
